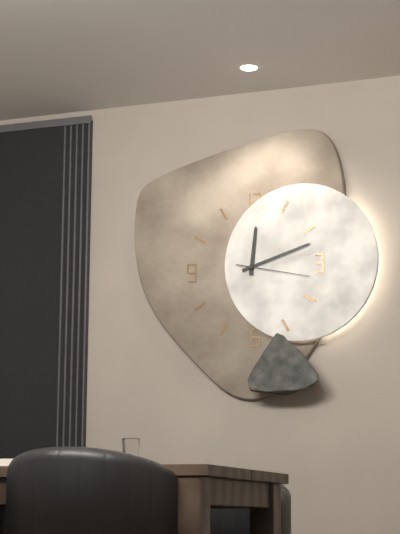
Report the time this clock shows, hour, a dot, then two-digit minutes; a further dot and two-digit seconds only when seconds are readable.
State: 12.12.17
